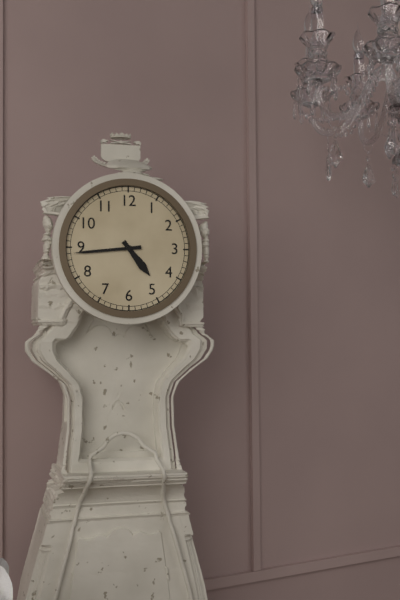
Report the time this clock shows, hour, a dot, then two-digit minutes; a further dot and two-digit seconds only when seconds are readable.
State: 4.44
